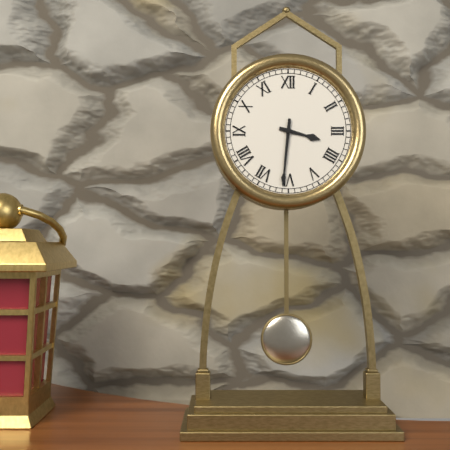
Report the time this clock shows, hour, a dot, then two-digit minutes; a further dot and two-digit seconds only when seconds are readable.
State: 3.31
